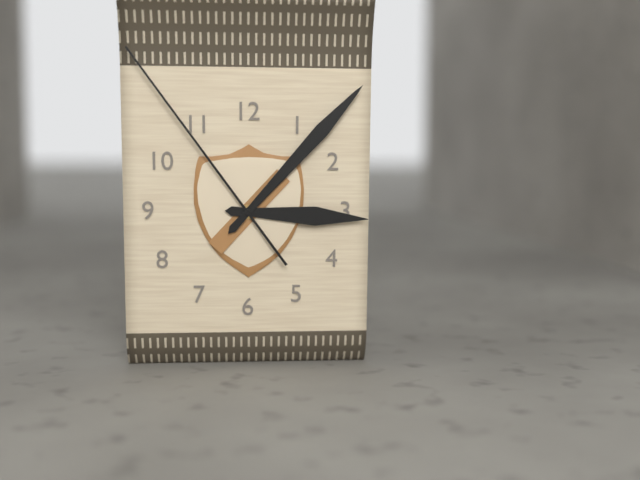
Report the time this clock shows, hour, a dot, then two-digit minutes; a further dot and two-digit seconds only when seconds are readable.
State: 3.07.54
